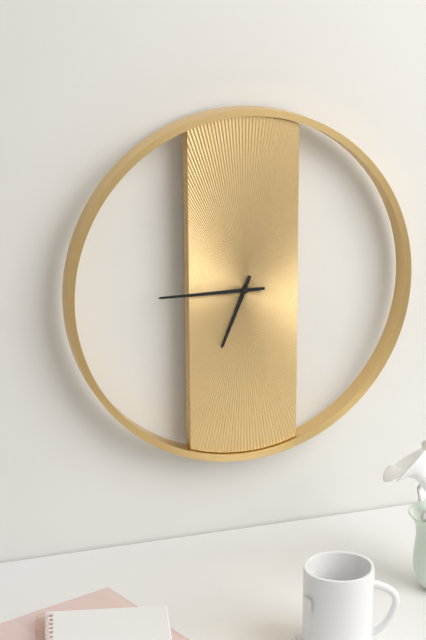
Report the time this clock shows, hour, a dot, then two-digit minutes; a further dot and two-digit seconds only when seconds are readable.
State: 6.45
